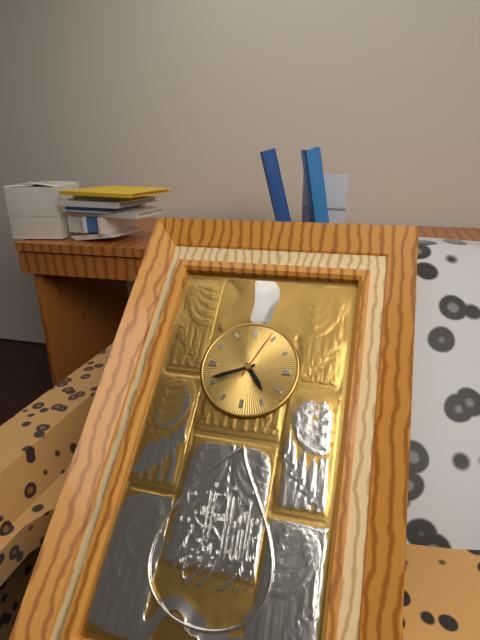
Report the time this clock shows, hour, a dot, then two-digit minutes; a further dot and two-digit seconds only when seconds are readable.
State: 4.41.04
